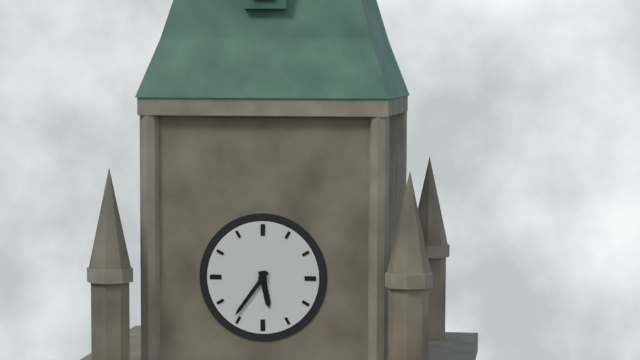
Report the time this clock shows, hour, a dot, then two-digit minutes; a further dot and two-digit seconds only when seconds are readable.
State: 5.36
